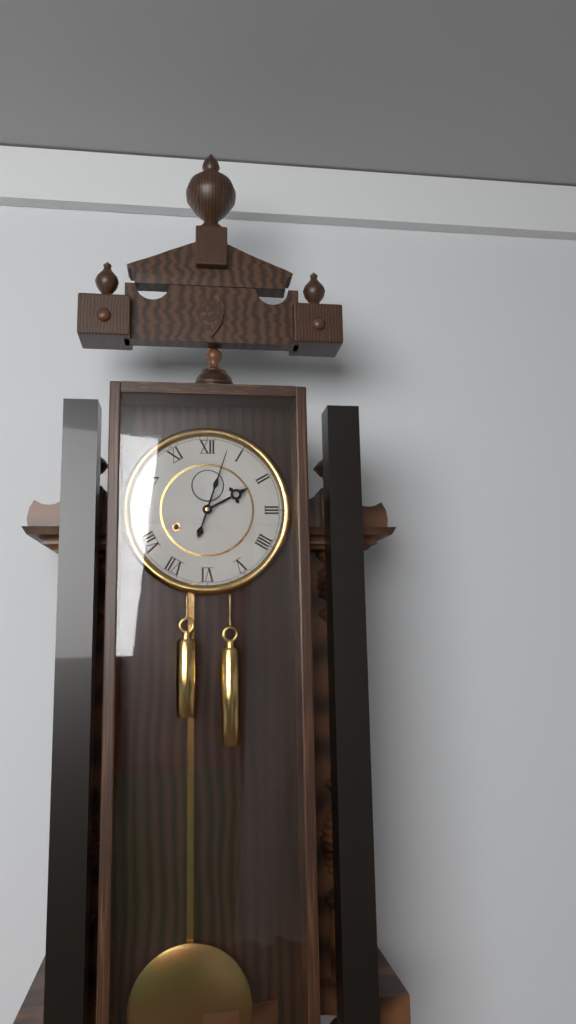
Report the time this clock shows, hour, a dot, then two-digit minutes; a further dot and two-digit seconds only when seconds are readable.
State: 2.03
